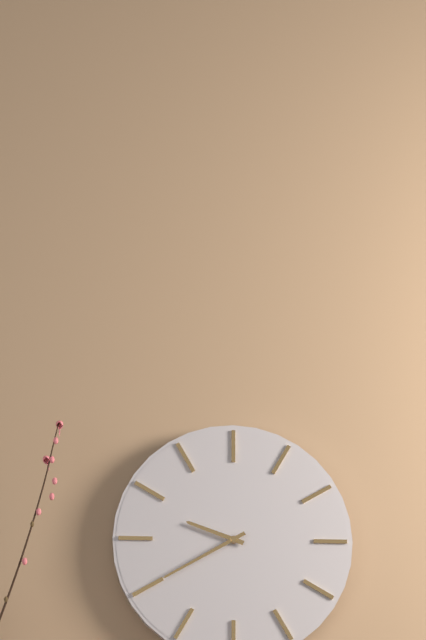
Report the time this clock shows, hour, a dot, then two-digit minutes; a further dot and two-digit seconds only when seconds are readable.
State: 9.40
